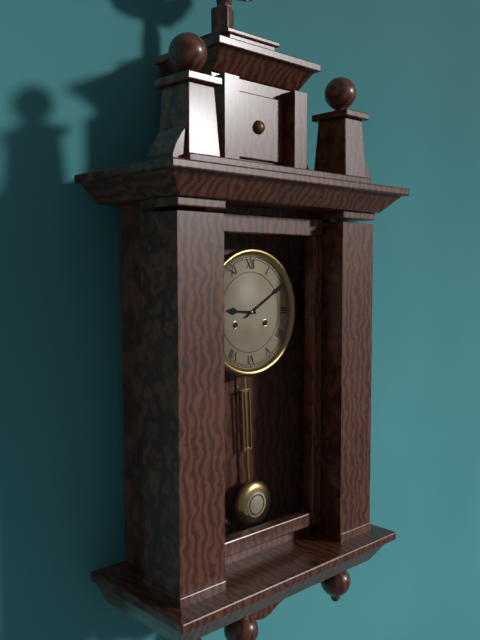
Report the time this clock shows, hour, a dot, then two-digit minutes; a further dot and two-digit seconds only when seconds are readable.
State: 9.10
